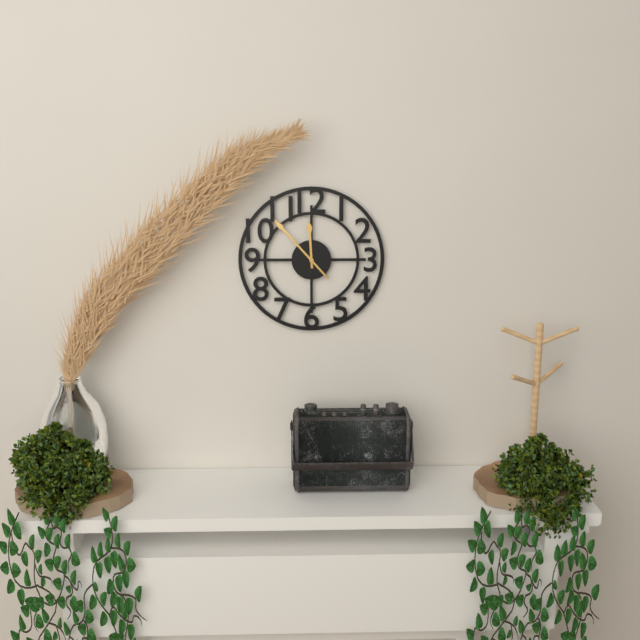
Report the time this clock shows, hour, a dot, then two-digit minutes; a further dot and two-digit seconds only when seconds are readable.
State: 11.53
